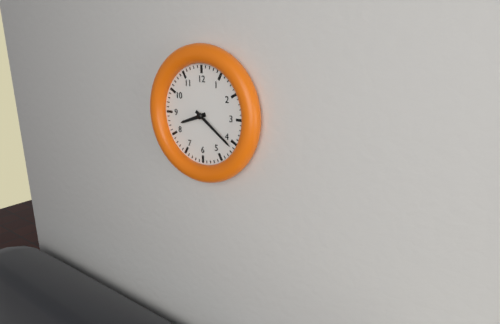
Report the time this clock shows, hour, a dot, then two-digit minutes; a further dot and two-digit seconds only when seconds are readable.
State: 8.21
